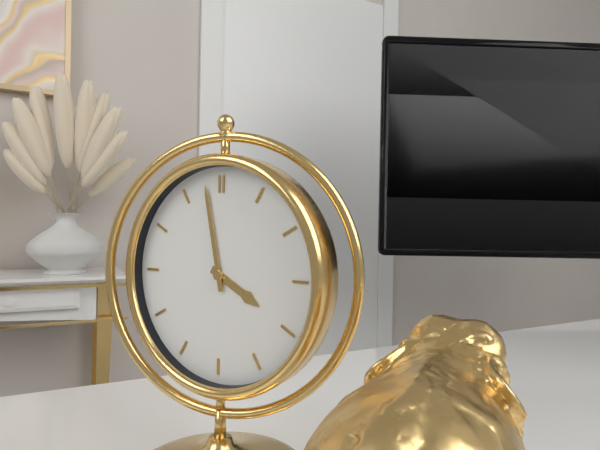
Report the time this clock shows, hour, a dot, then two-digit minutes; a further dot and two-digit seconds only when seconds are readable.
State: 3.58
